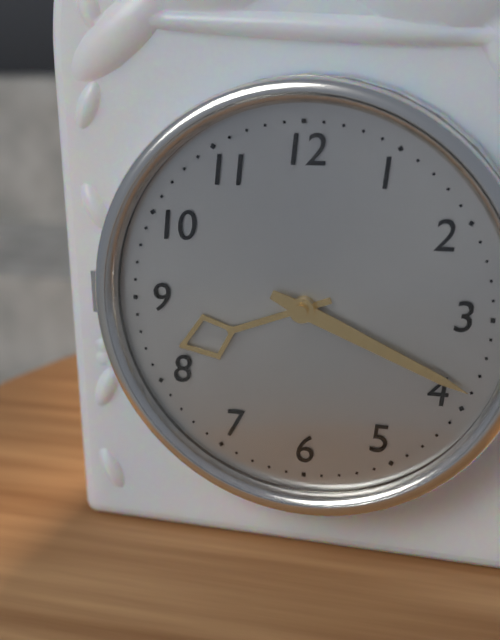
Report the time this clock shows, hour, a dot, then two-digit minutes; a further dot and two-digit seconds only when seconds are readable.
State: 8.19
